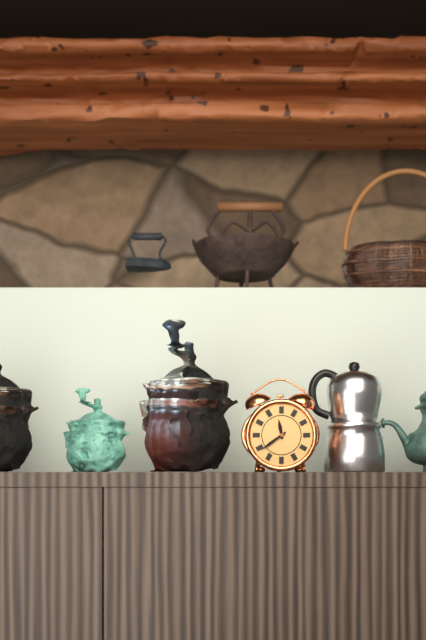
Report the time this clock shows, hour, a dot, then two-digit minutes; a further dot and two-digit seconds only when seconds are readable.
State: 11.39
